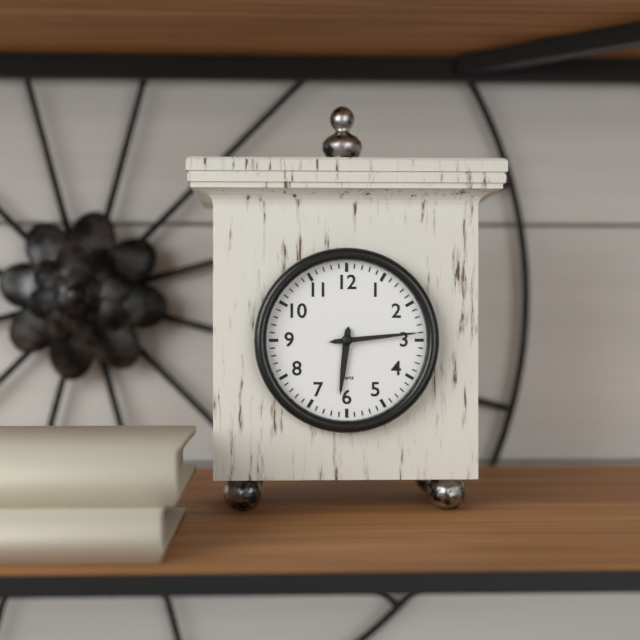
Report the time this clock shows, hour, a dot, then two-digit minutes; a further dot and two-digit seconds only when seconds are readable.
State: 6.14
